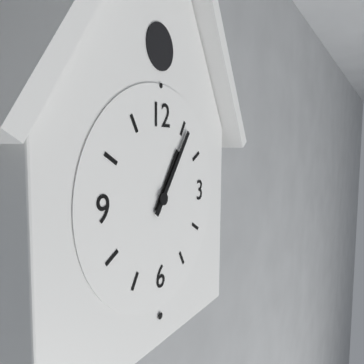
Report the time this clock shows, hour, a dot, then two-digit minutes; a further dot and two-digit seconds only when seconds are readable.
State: 1.06
